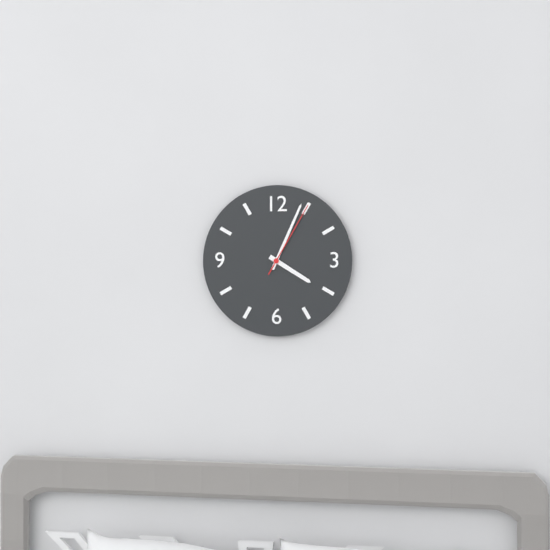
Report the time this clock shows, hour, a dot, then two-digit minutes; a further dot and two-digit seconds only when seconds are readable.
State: 4.04.05
